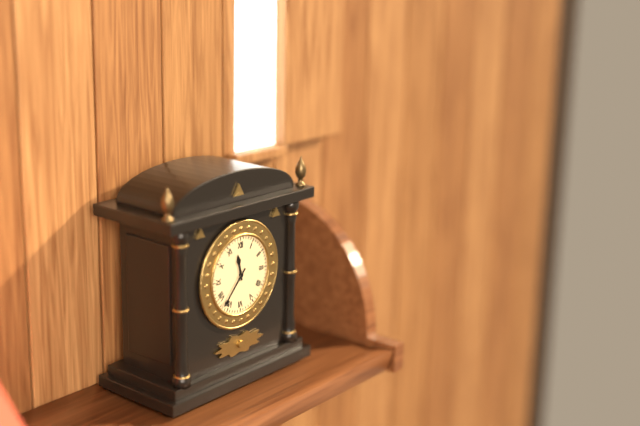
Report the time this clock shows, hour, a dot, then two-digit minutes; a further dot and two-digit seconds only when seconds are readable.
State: 11.37
